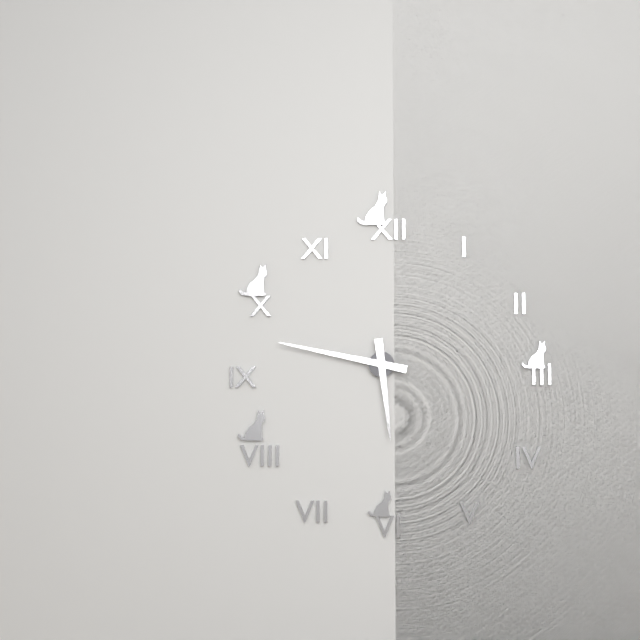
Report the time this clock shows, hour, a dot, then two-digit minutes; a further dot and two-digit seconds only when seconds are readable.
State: 5.47
